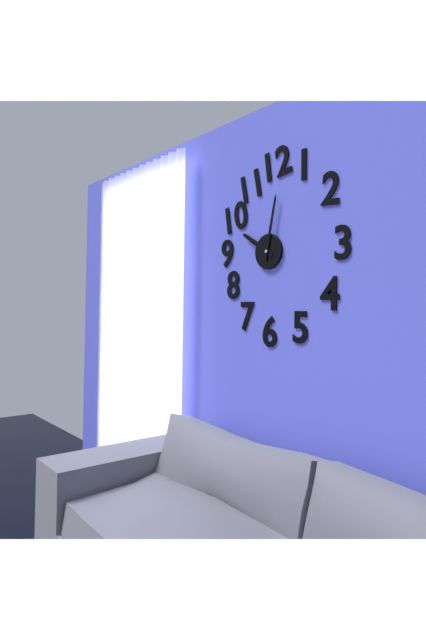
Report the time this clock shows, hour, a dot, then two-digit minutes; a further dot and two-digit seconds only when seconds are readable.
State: 10.02
